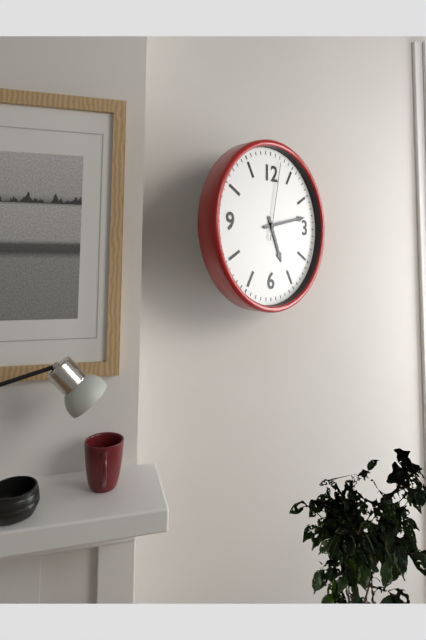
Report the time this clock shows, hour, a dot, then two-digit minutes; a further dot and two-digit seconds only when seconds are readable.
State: 5.13.02
